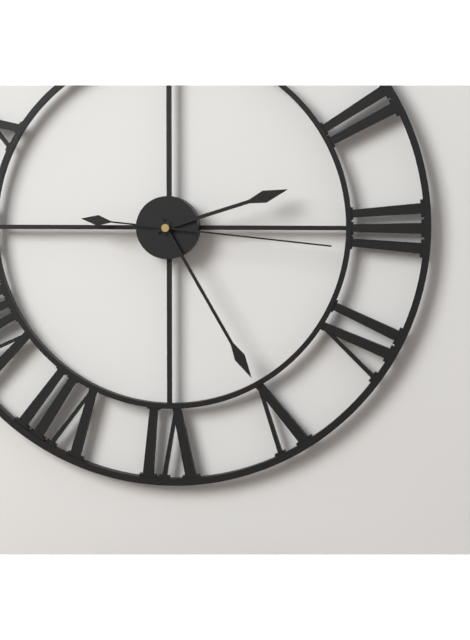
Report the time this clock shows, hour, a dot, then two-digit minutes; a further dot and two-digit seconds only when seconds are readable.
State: 2.25.16
